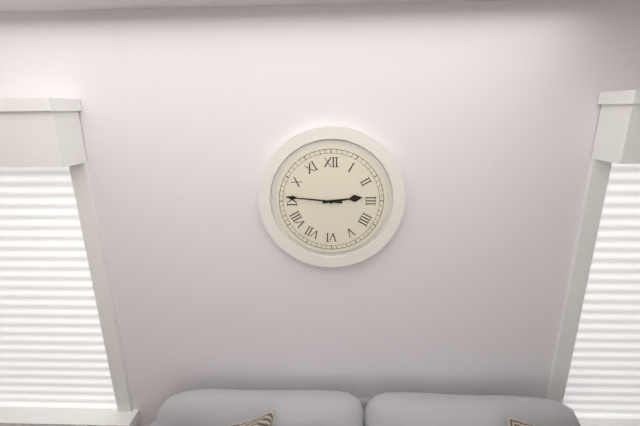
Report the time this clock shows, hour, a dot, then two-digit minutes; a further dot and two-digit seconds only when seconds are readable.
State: 2.46
